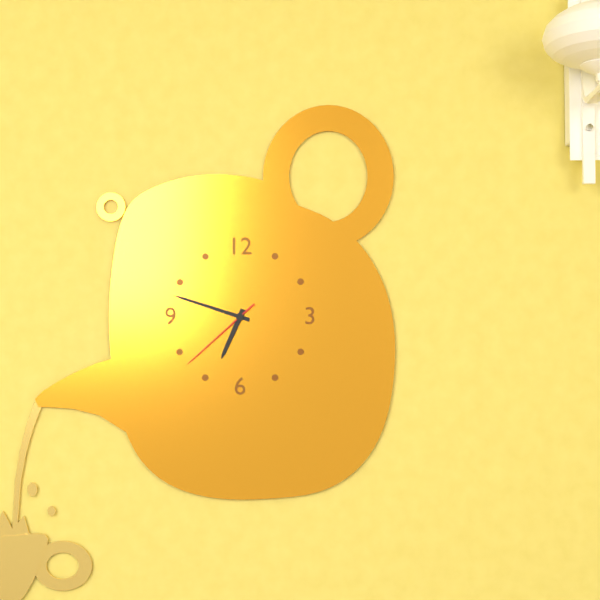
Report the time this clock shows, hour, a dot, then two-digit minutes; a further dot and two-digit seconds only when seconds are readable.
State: 6.48.38
